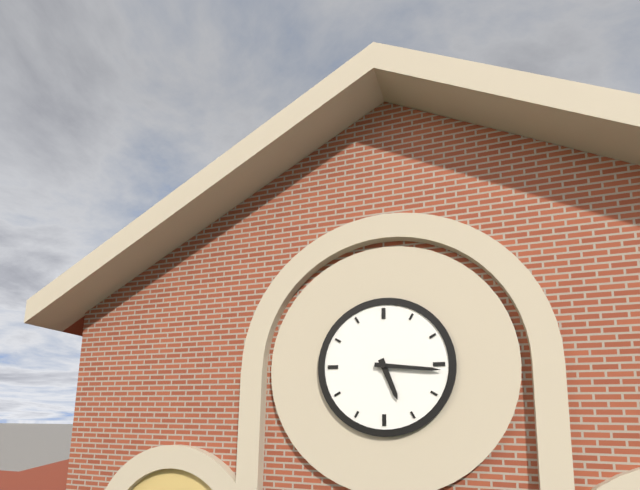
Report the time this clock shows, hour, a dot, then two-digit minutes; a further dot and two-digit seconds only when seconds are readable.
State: 5.16
